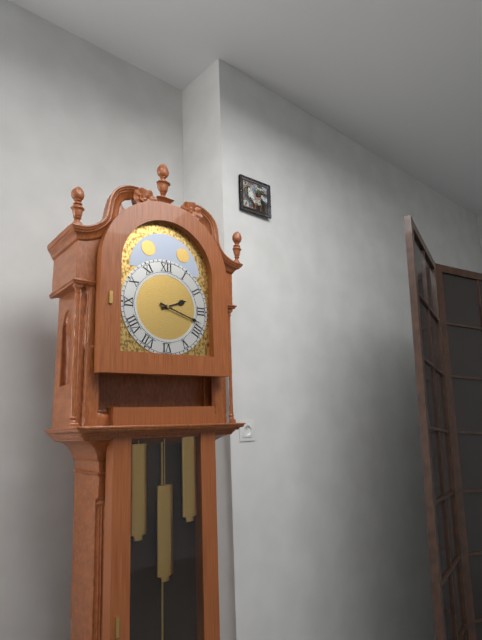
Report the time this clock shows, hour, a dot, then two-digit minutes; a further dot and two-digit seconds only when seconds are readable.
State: 2.18
